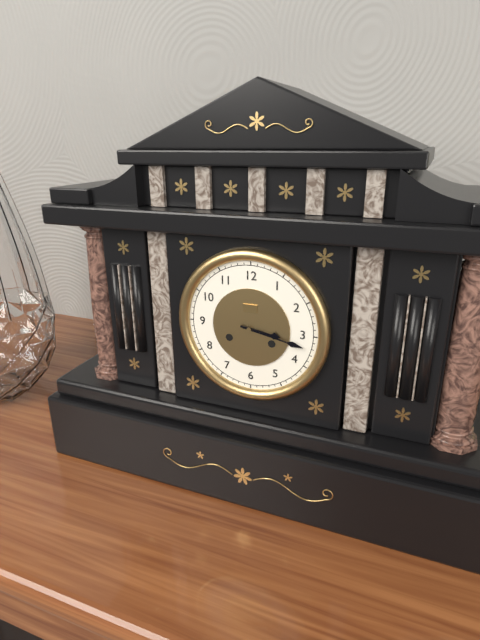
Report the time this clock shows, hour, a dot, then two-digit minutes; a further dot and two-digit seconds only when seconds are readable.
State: 3.17
